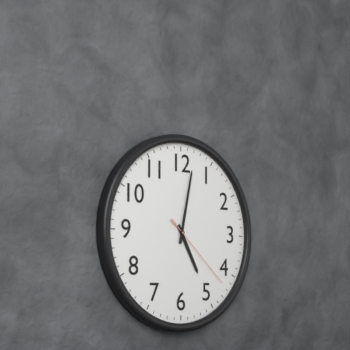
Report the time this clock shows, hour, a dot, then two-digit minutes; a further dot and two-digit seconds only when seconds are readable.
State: 5.02.22
